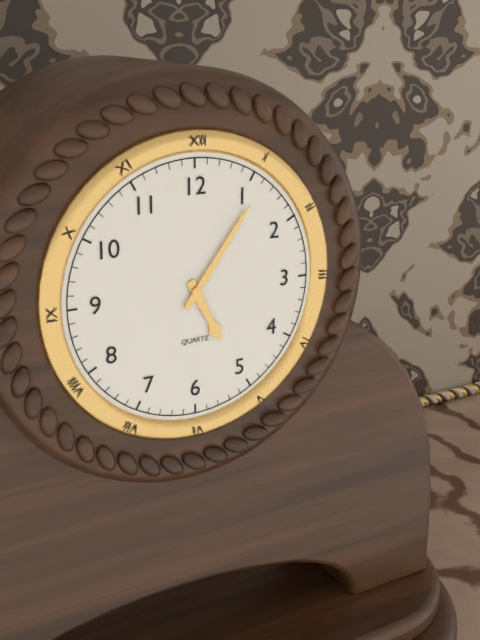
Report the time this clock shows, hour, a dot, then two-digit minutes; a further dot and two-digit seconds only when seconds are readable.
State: 5.06
